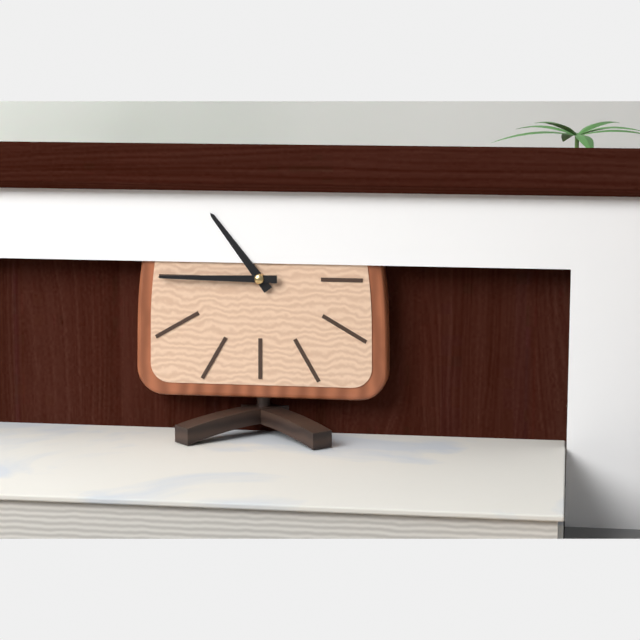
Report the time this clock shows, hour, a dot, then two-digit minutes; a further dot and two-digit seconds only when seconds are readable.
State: 10.45
